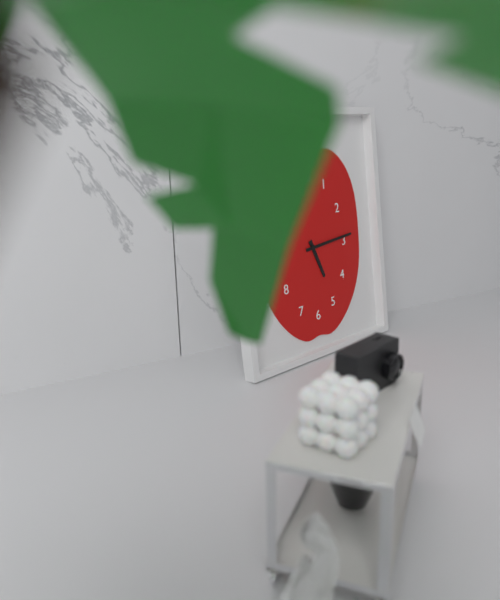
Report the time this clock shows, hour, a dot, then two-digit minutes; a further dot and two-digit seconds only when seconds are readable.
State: 5.14
